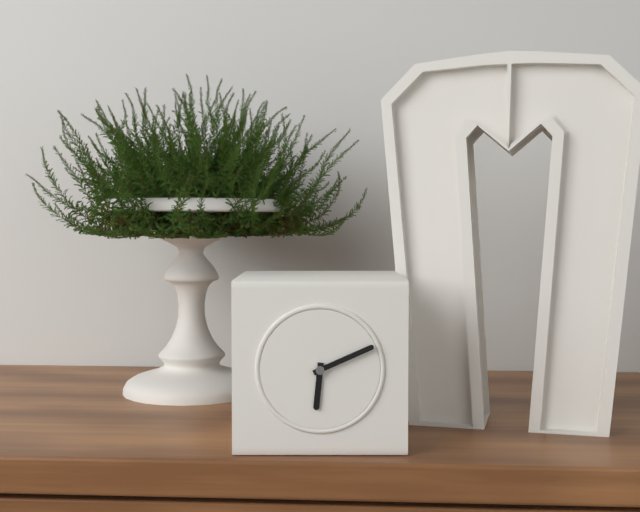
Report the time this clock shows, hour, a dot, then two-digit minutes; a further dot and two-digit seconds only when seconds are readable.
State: 6.11
